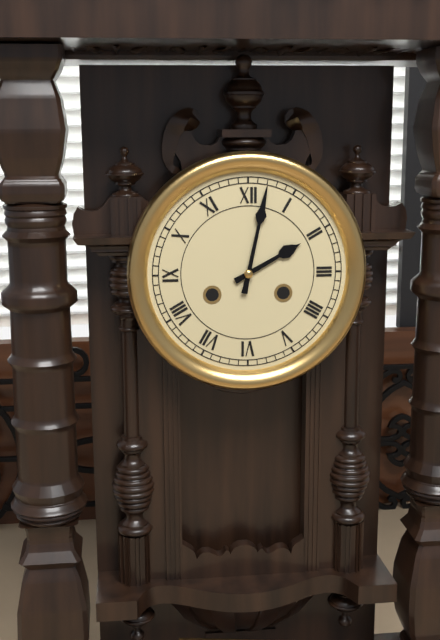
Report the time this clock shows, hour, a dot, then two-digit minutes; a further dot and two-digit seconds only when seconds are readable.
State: 2.02
